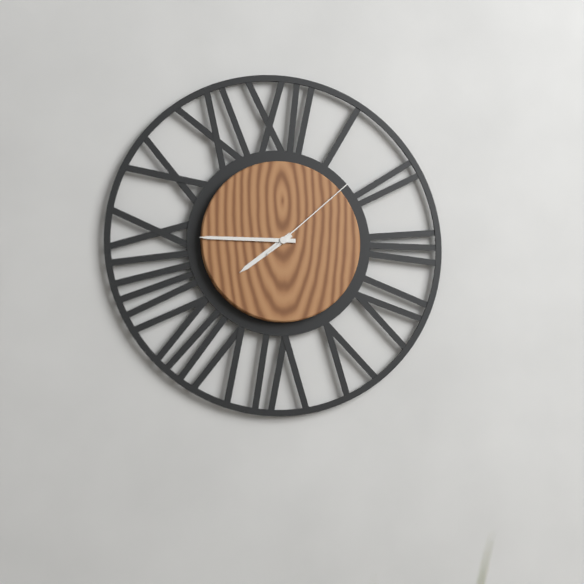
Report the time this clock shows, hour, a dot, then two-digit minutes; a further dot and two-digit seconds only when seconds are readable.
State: 7.45.08
